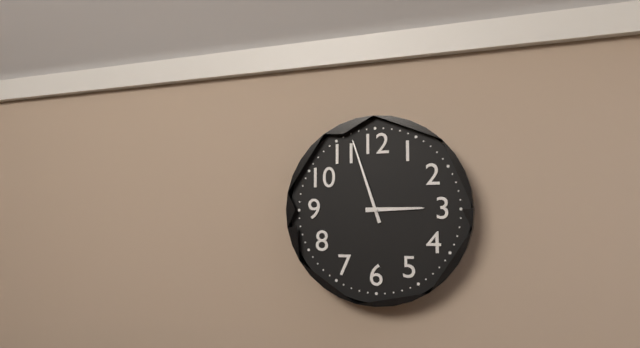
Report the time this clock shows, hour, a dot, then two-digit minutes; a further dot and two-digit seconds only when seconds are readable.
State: 2.57
